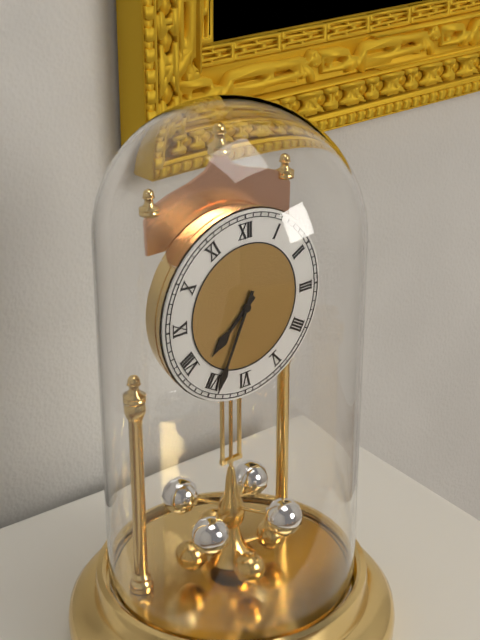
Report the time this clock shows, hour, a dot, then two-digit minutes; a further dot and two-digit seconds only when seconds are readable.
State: 7.34
